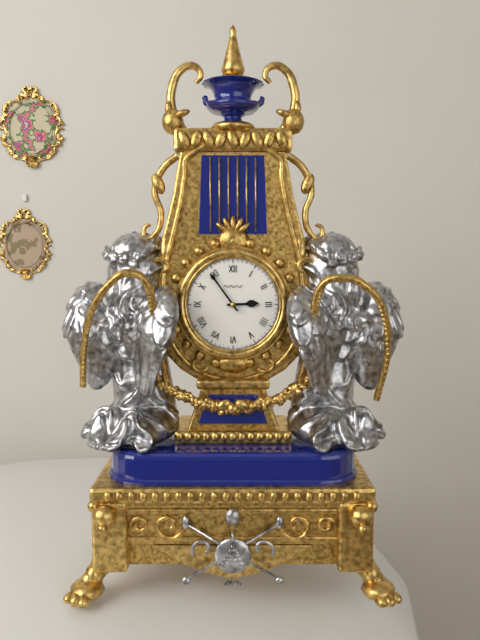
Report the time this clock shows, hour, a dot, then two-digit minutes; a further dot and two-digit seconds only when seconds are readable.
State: 2.54
